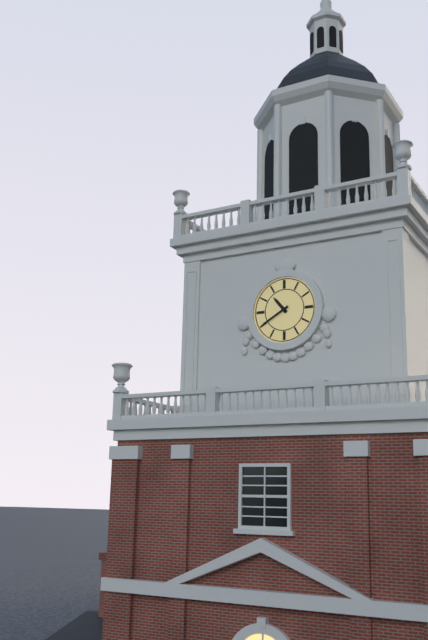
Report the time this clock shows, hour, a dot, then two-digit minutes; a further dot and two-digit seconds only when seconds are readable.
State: 10.40
